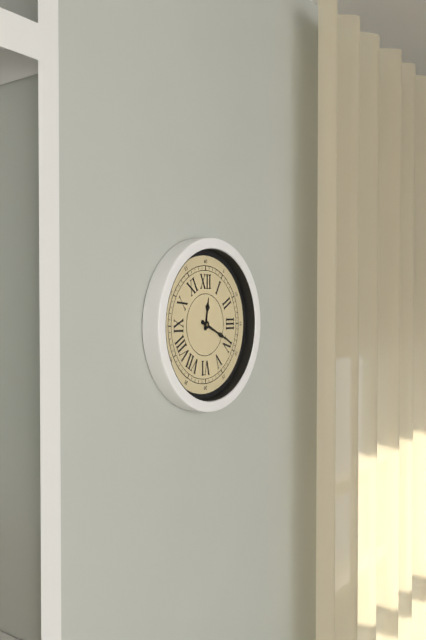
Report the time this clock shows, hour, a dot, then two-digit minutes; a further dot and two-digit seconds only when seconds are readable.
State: 12.19
